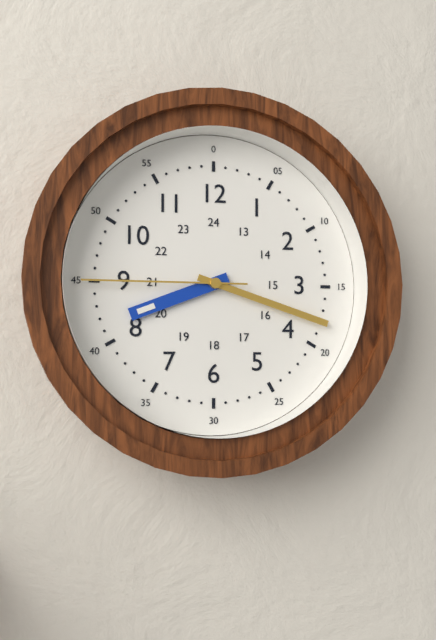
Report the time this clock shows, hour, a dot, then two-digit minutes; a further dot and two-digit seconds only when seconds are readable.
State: 8.18.45
